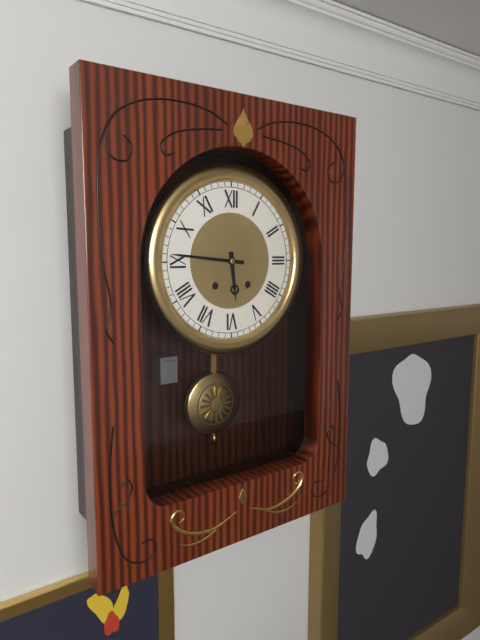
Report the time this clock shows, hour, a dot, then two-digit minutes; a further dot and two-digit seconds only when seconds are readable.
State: 5.46
